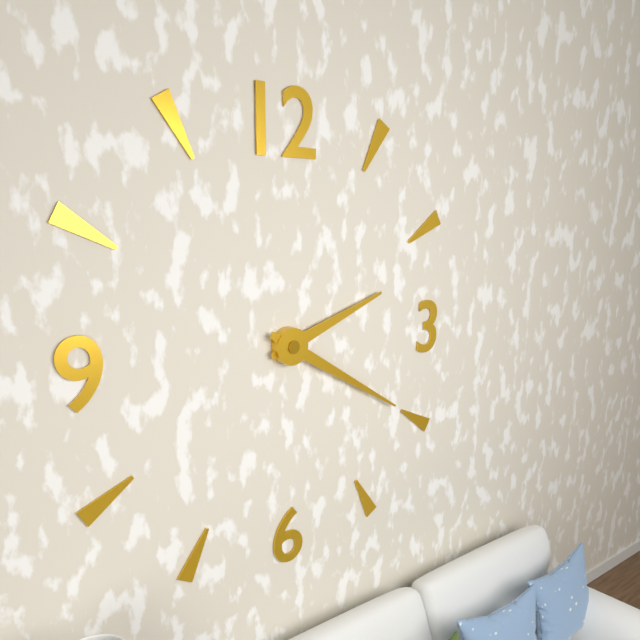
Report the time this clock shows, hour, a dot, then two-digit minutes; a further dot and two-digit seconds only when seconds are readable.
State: 2.20
